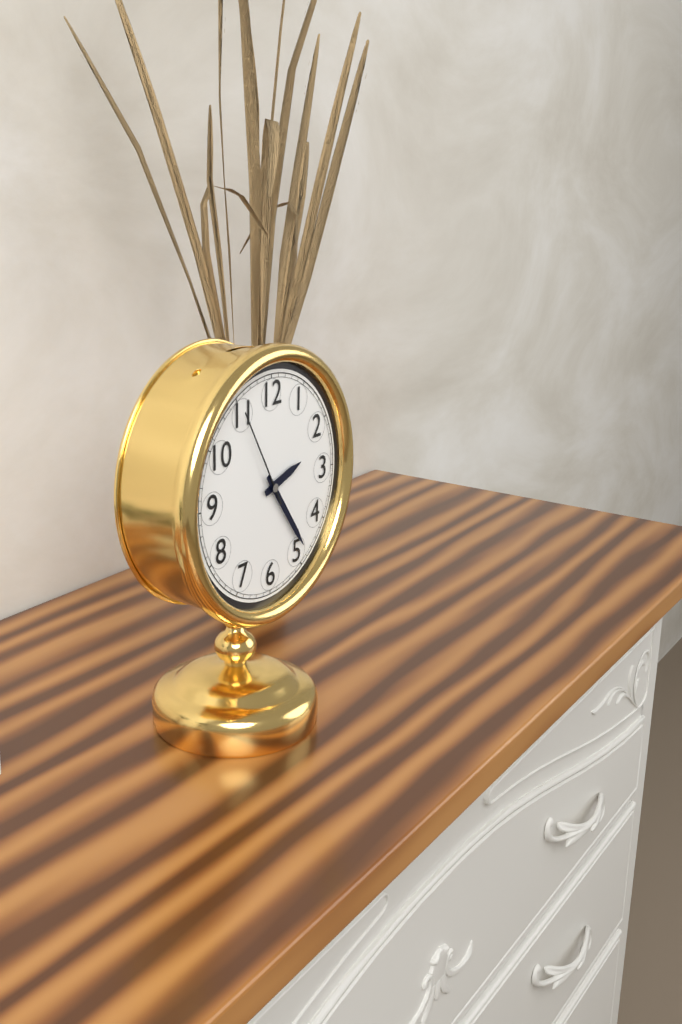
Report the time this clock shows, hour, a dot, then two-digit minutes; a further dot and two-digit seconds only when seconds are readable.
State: 2.24.55
